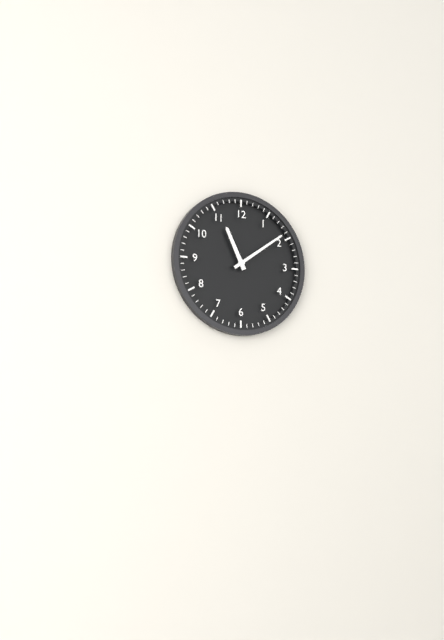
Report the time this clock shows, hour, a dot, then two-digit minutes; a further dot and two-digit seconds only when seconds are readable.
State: 11.09
